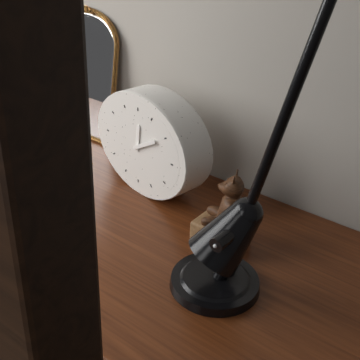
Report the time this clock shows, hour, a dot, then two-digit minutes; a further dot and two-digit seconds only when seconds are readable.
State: 12.10
